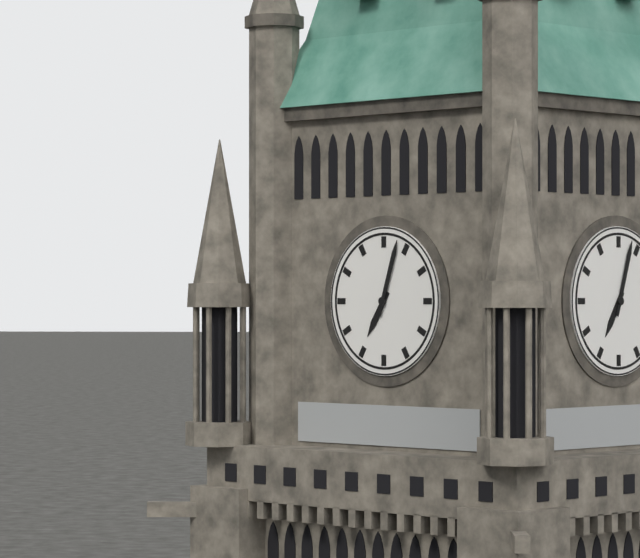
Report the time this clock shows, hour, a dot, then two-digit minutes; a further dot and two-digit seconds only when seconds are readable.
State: 7.03
